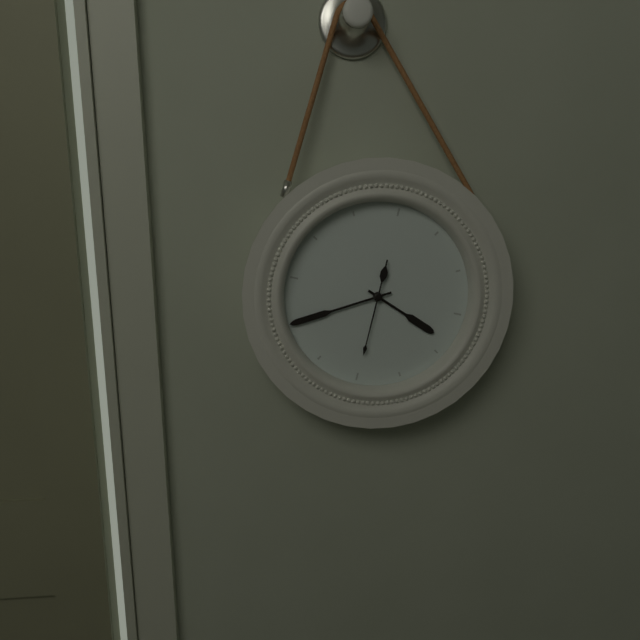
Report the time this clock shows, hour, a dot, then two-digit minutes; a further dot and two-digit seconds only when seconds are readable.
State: 3.40.30
